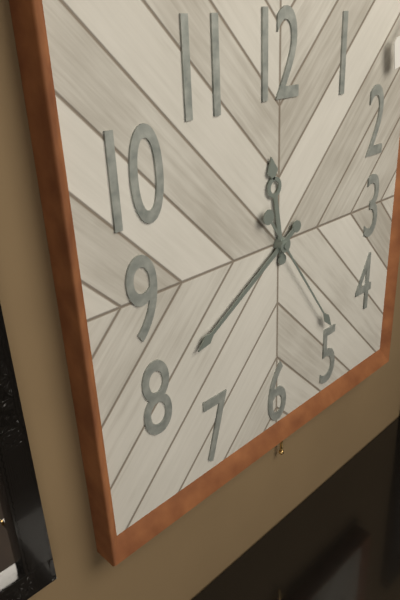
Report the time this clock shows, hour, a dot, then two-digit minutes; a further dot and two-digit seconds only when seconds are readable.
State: 11.40.24
